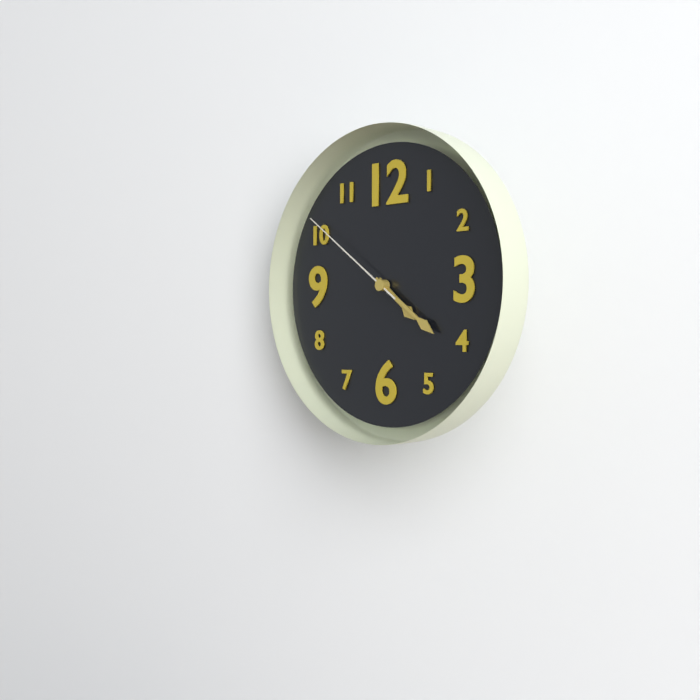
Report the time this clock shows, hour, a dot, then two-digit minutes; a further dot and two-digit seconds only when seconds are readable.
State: 4.21.51
